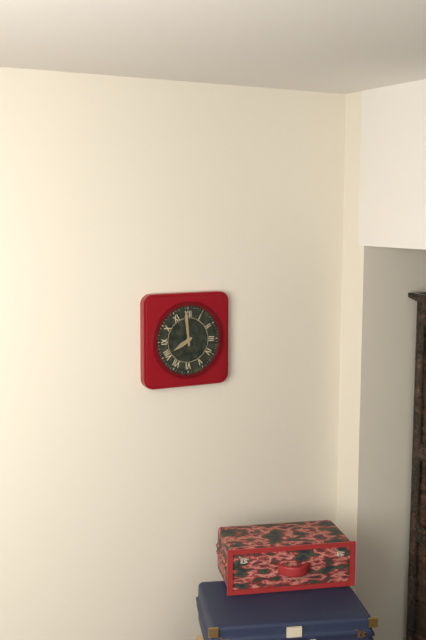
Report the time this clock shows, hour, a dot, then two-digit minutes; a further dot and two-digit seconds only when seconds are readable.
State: 7.59
